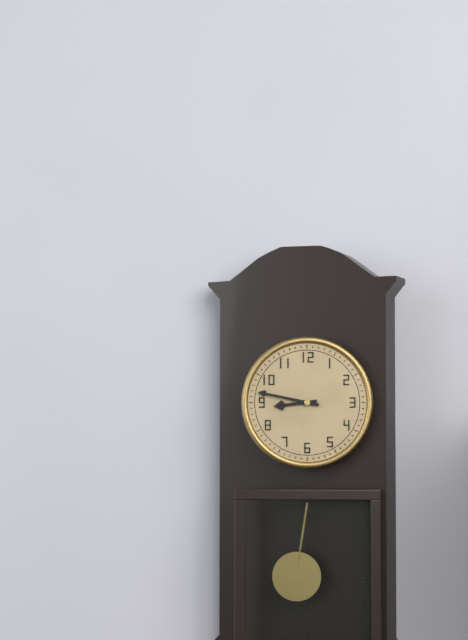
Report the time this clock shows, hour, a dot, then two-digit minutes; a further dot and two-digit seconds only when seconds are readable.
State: 8.47
